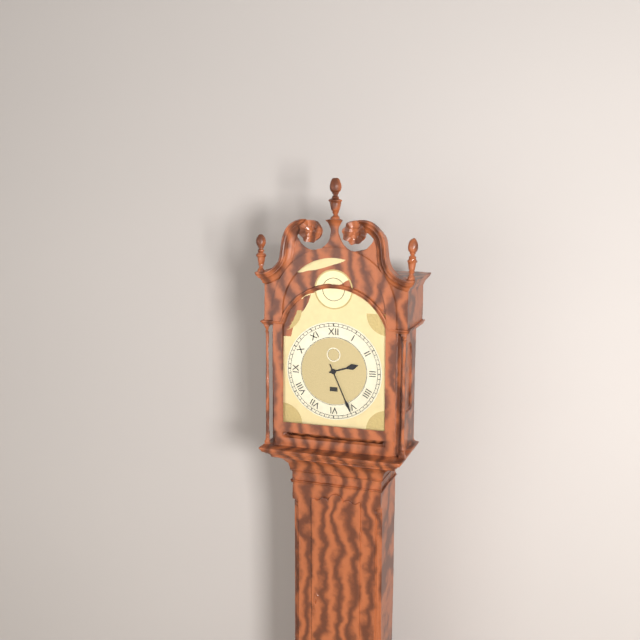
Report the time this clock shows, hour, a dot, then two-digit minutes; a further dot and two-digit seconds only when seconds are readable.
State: 2.26
